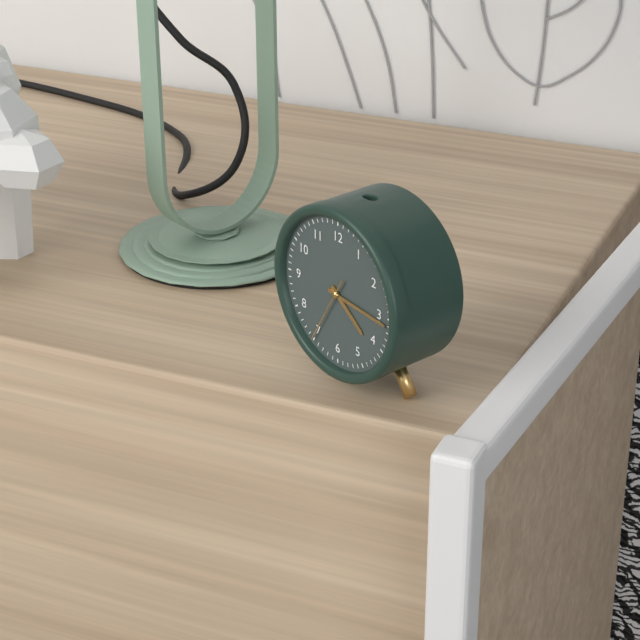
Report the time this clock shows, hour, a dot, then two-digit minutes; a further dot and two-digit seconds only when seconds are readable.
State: 4.16.35
